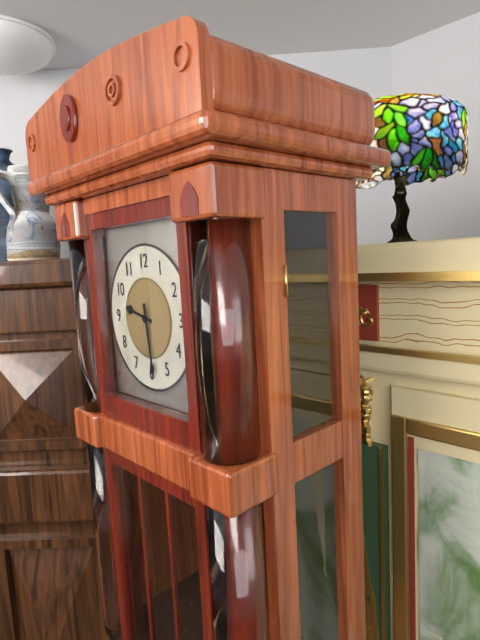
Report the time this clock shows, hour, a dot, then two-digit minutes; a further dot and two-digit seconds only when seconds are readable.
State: 9.29
